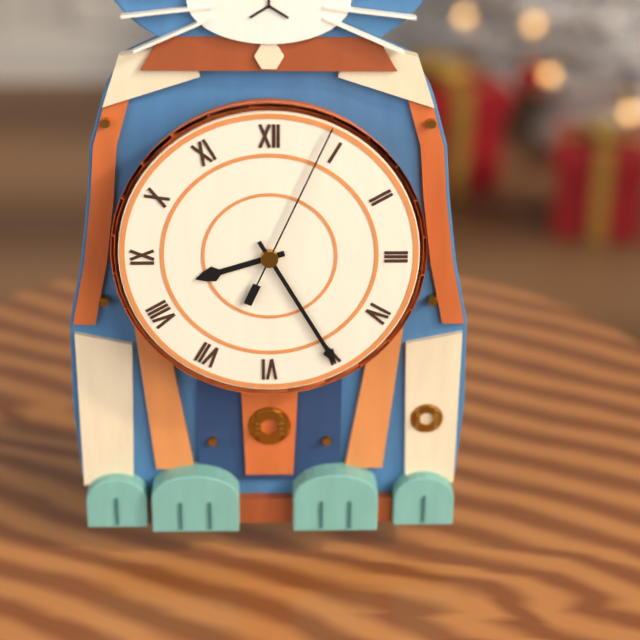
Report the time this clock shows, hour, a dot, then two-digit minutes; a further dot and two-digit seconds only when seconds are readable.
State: 8.25.04
